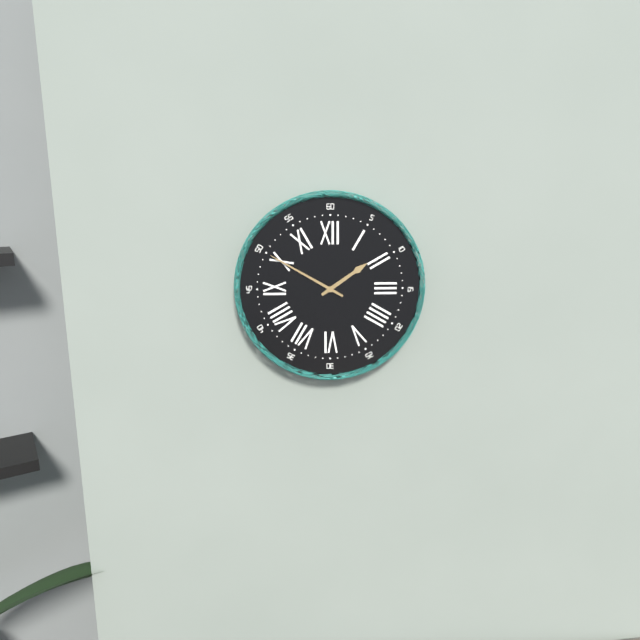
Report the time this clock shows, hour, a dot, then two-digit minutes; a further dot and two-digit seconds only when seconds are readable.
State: 1.50
